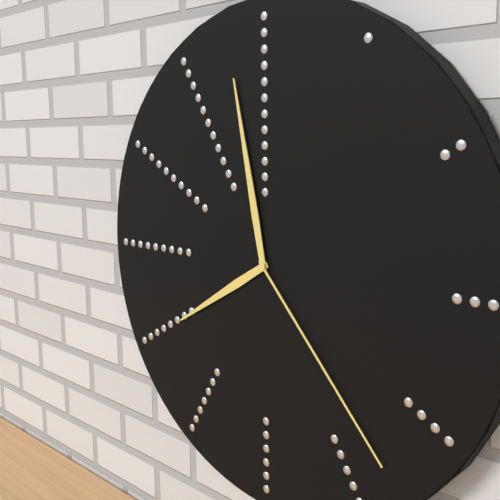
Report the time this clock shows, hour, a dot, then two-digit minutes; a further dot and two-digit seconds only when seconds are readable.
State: 7.58.23
